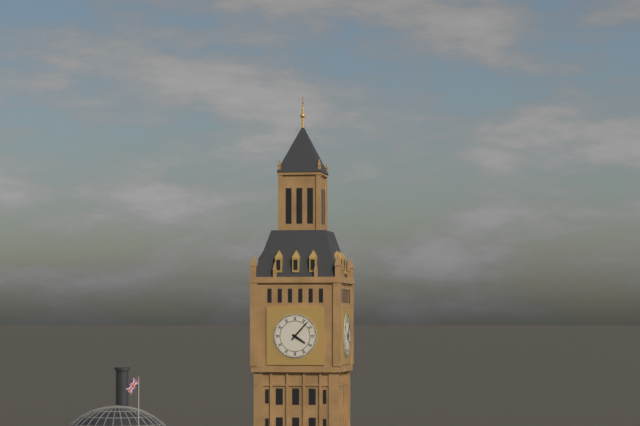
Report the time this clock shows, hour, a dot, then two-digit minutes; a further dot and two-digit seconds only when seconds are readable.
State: 4.07
